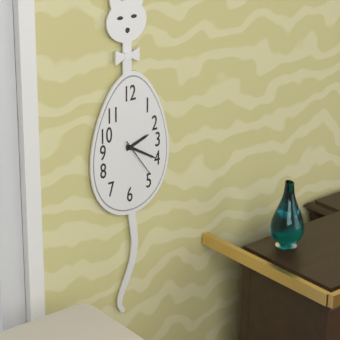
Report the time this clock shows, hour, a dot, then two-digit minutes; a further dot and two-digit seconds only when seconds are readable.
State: 2.20
